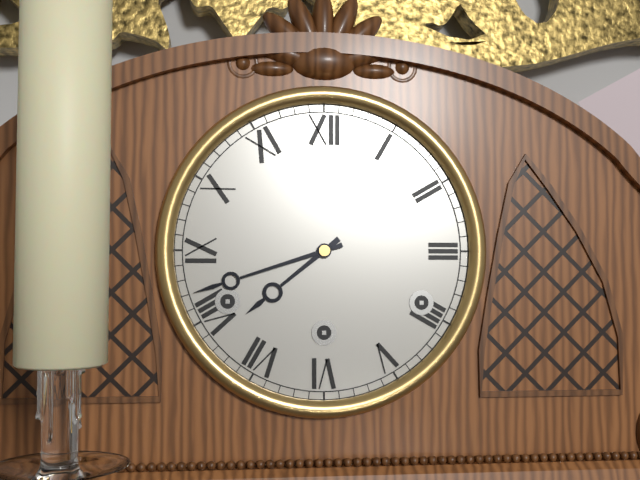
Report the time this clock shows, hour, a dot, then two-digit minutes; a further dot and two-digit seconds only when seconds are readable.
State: 7.42
